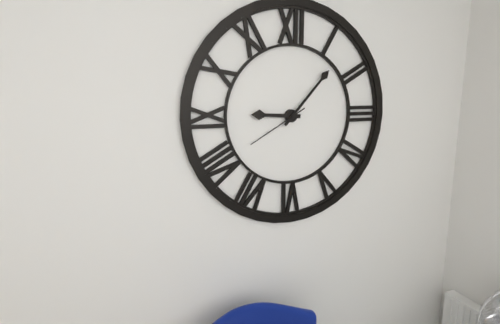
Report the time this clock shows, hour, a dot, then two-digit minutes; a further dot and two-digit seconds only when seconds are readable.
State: 9.07.40
